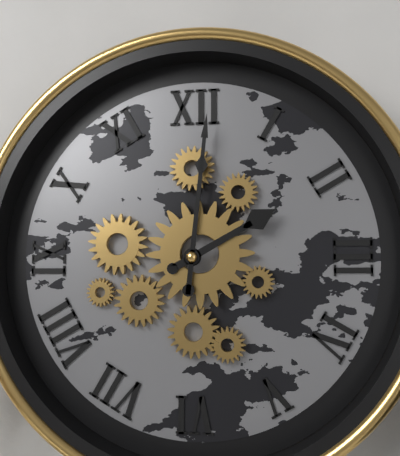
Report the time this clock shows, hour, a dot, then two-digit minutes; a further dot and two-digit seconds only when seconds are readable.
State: 2.01
